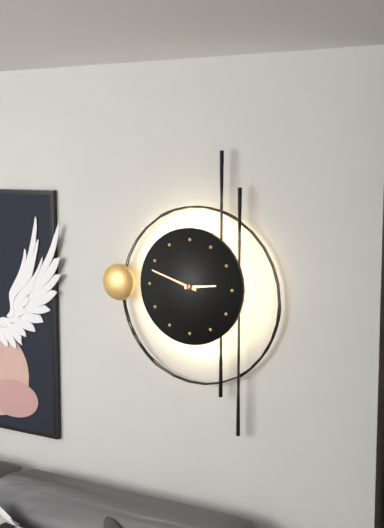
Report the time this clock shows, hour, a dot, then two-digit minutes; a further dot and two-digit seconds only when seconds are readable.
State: 2.48
